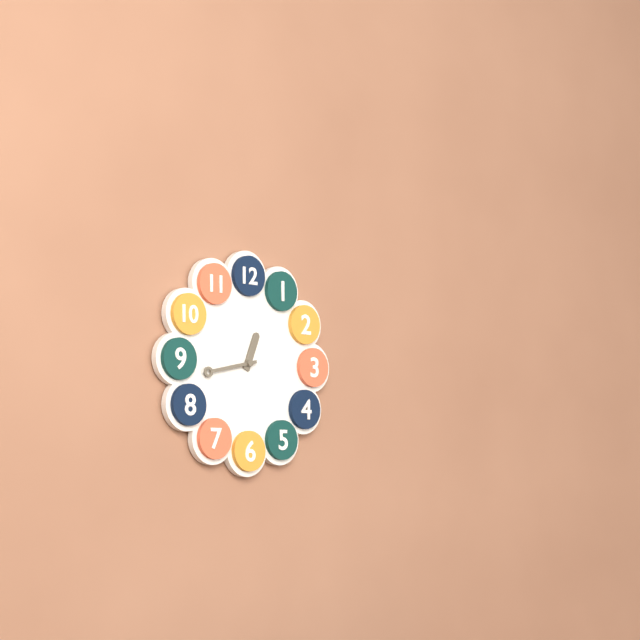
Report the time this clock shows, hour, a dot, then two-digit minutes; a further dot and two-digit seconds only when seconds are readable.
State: 12.43
